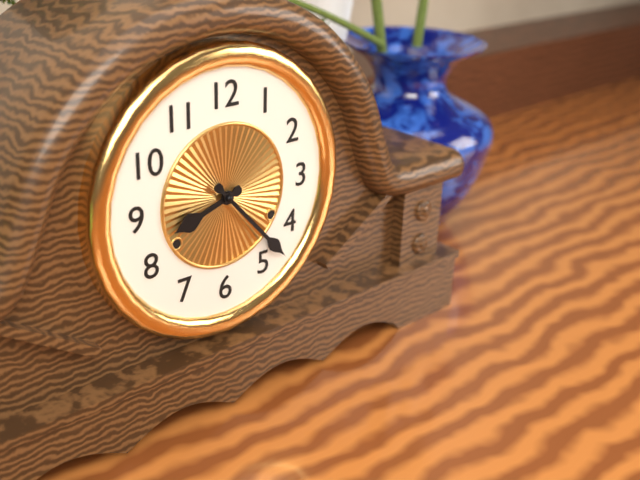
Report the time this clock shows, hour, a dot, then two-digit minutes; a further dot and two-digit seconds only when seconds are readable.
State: 8.23
